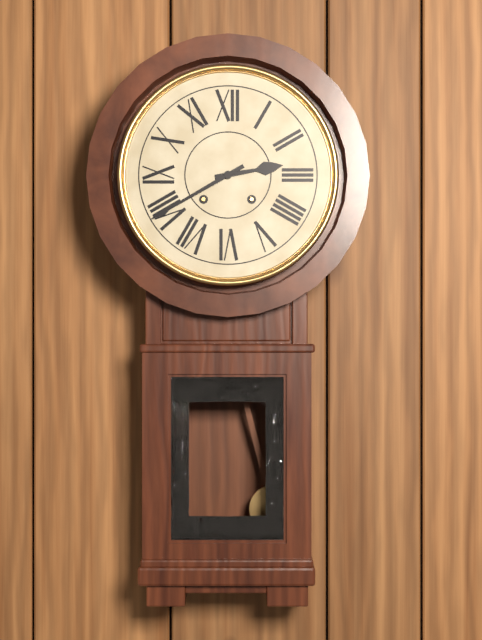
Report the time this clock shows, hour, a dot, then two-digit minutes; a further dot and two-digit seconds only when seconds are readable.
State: 2.40
